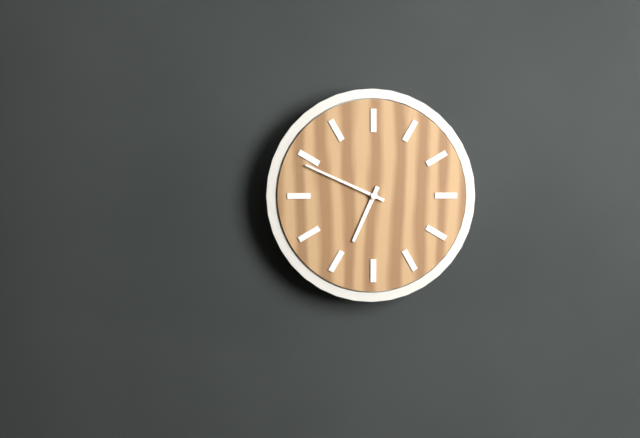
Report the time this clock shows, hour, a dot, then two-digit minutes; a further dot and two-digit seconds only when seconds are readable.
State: 6.49
